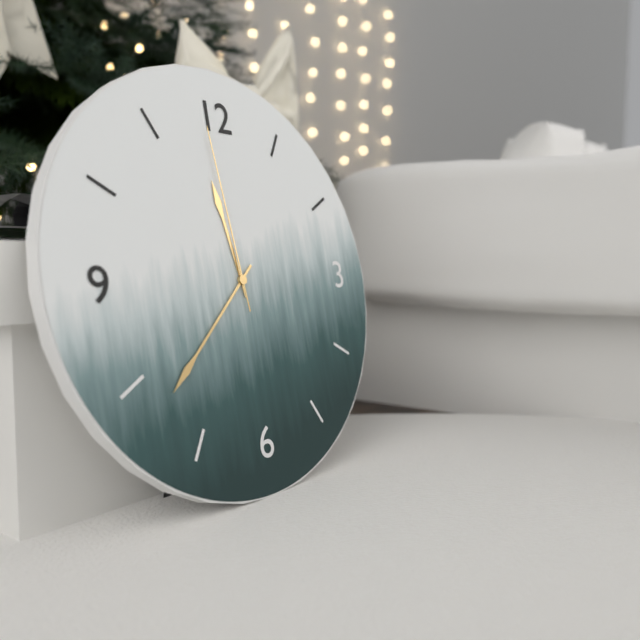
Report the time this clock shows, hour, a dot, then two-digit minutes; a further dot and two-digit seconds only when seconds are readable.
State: 11.38.59
